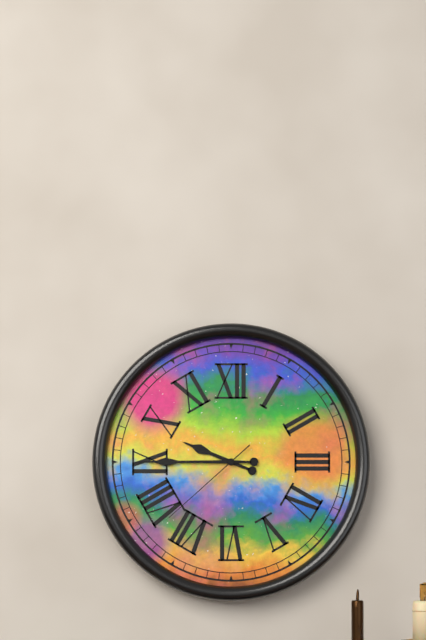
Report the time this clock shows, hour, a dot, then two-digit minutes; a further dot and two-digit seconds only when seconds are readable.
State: 9.45.38
